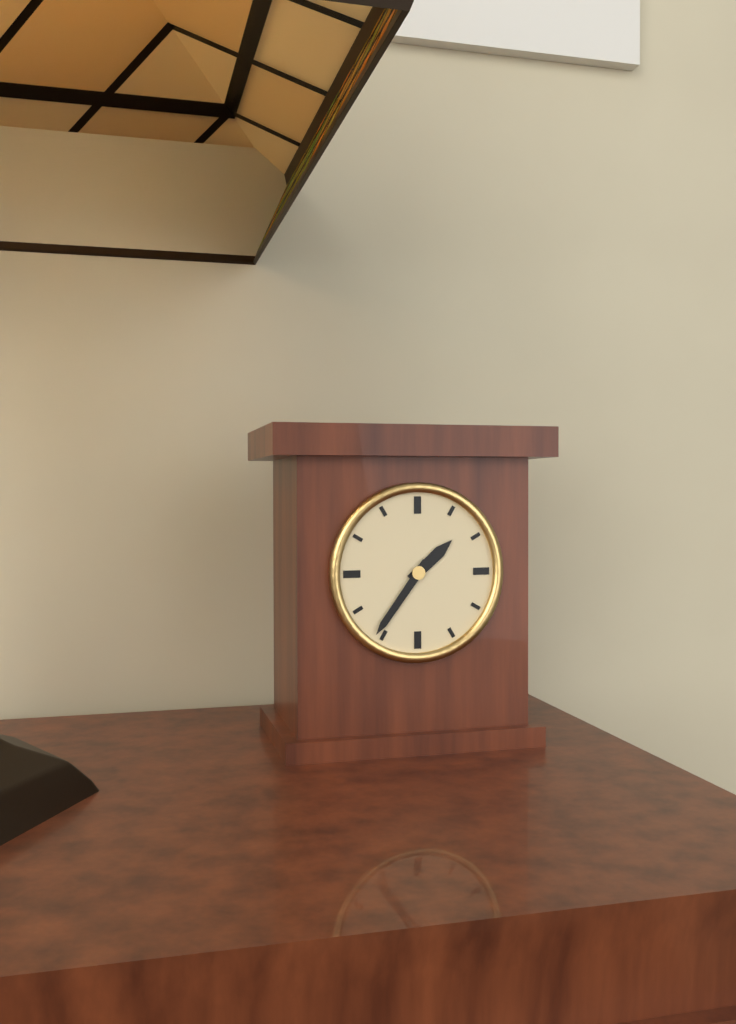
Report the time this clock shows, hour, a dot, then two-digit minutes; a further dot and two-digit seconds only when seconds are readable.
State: 1.36
